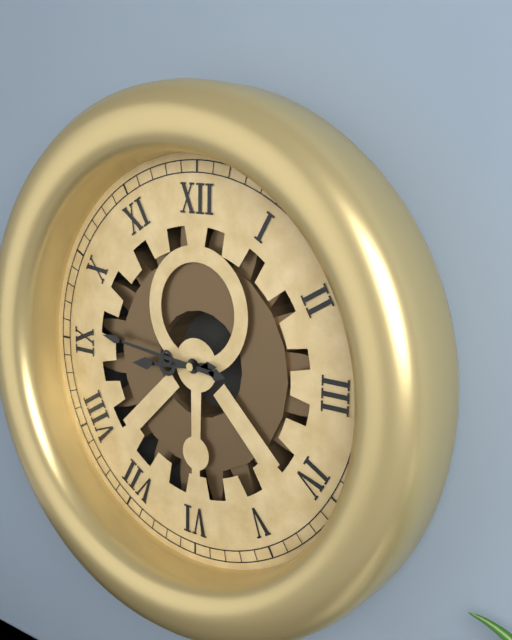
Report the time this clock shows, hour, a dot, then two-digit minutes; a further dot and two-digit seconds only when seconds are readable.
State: 8.46
